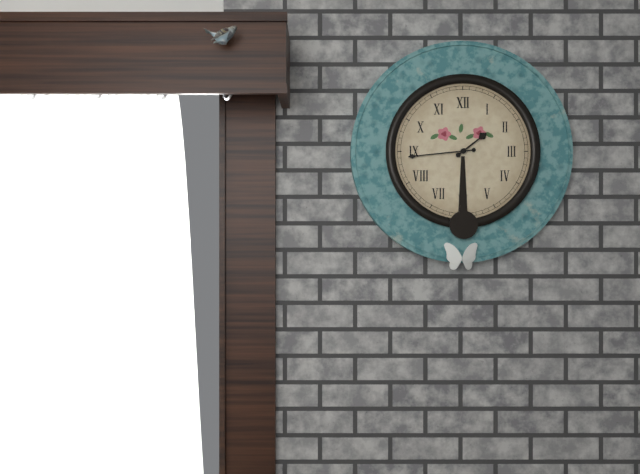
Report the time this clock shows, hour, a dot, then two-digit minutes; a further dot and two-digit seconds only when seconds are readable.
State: 1.44
